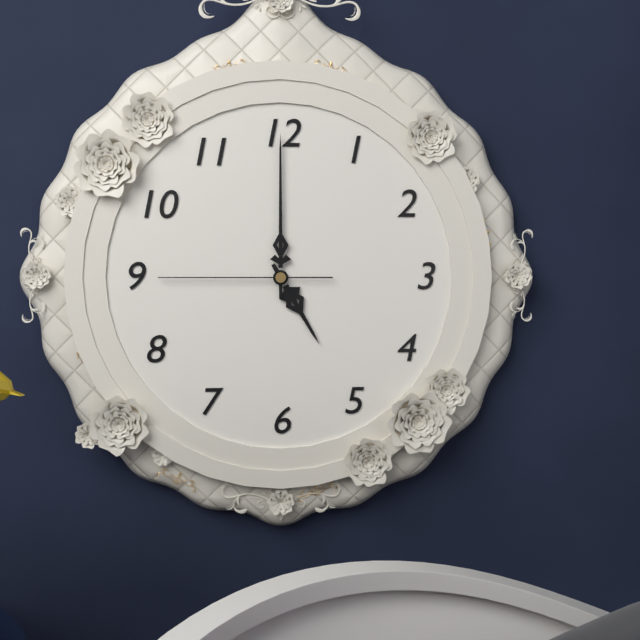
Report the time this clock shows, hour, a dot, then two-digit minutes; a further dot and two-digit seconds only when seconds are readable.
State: 5.00.45
